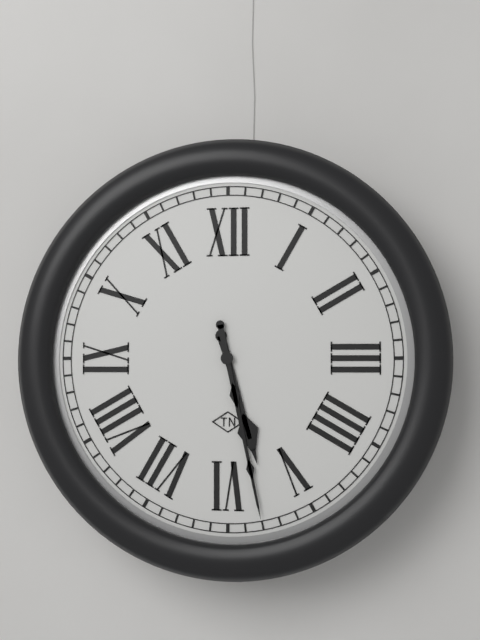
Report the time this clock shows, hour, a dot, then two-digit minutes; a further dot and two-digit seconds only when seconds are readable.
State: 5.28
